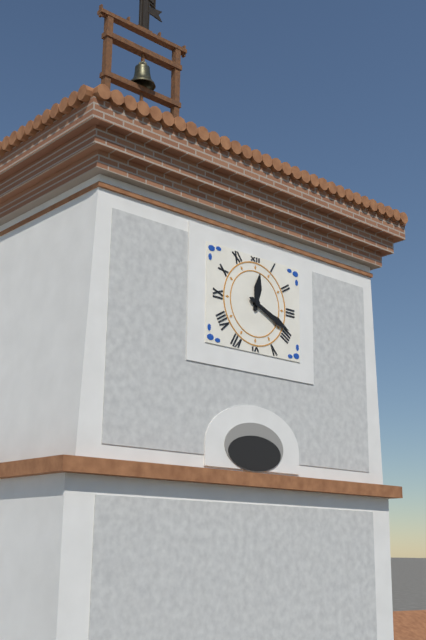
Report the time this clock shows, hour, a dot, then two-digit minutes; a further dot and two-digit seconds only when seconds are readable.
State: 12.19
